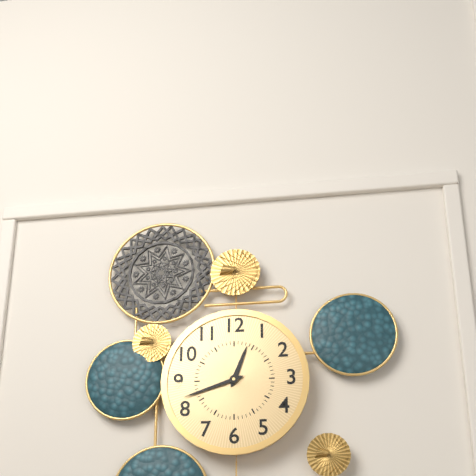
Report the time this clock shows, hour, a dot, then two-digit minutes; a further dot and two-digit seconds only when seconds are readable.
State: 12.42
